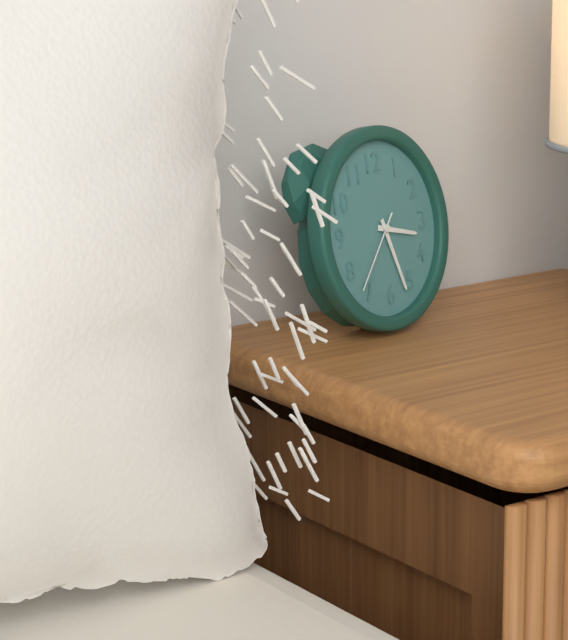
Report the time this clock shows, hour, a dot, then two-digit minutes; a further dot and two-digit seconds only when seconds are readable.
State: 3.27.37
